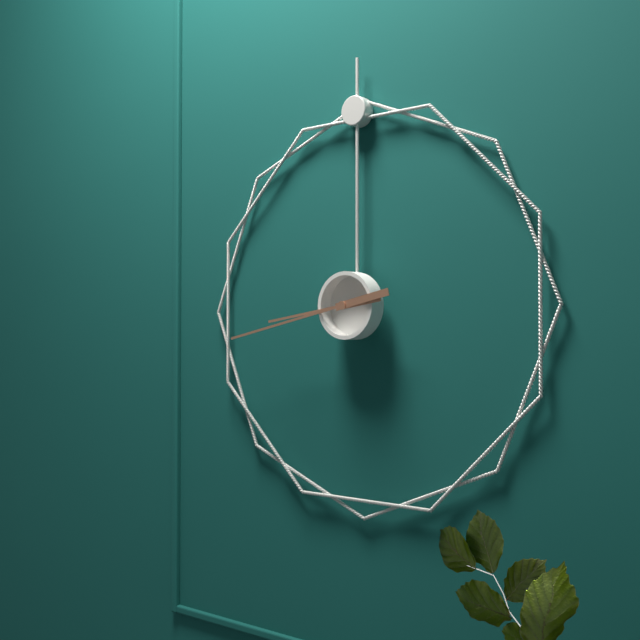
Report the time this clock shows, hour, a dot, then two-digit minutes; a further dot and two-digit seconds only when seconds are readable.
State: 8.43
